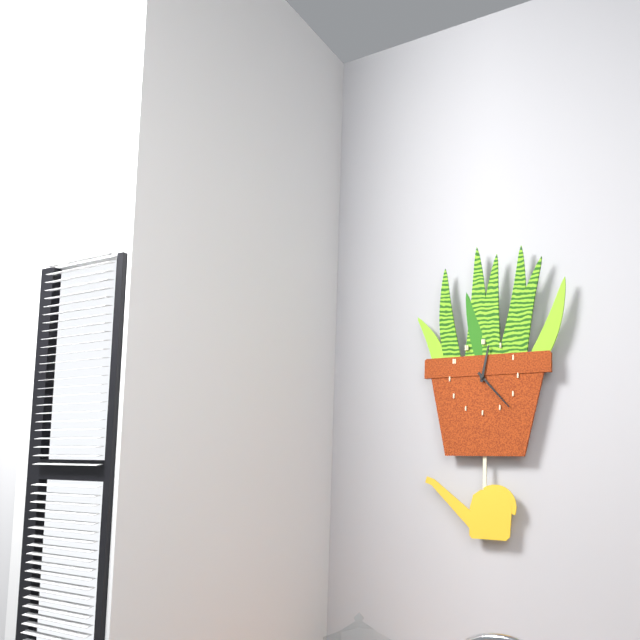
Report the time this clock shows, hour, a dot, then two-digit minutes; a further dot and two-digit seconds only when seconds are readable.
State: 12.23
